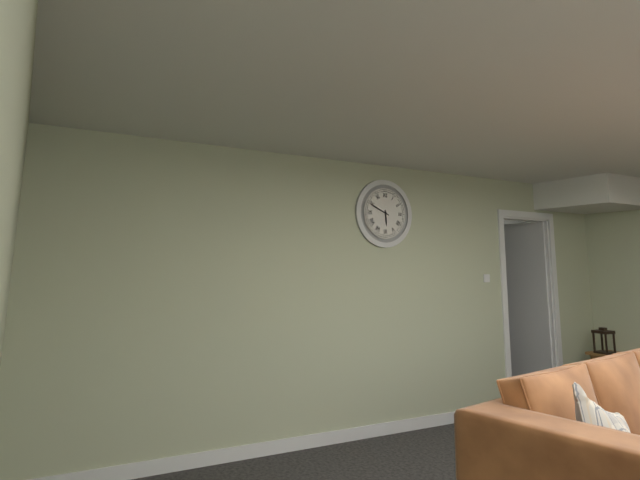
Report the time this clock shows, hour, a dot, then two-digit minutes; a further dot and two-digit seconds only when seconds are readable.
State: 5.49
